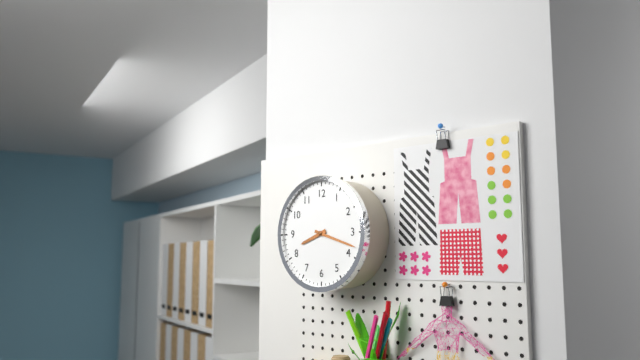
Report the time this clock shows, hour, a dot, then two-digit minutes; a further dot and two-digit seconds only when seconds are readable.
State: 8.18
